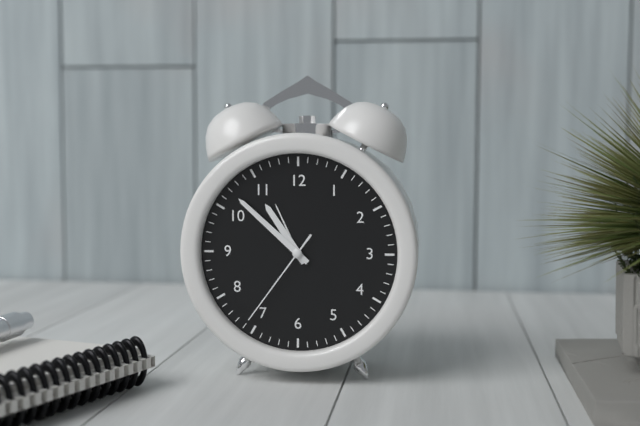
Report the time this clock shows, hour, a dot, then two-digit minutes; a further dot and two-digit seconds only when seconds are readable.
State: 10.52.36
